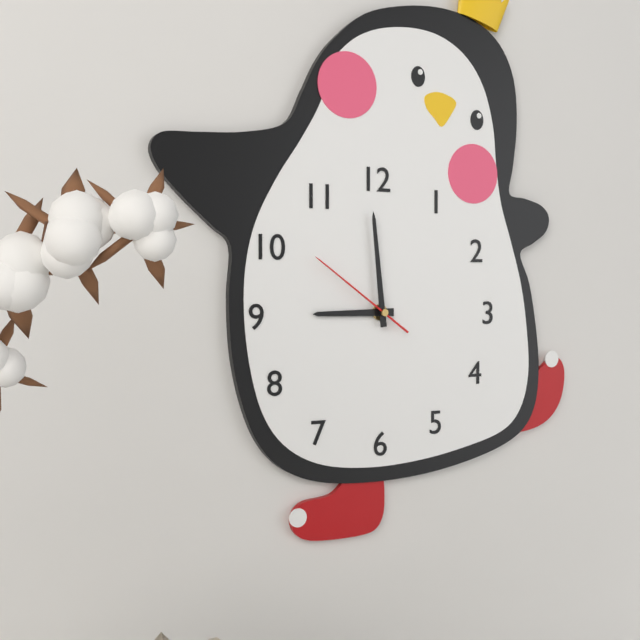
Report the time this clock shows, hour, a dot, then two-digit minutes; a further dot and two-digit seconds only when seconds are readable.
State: 8.59.51
